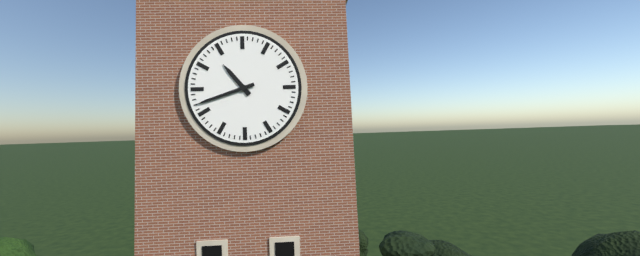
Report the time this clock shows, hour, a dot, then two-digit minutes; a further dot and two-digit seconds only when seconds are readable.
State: 10.42
